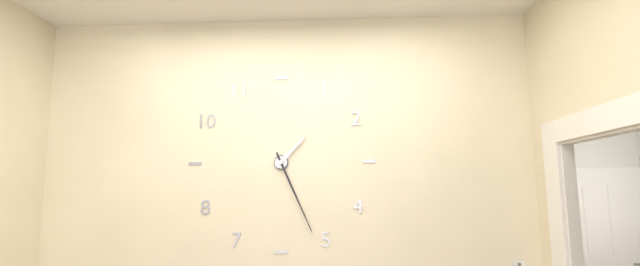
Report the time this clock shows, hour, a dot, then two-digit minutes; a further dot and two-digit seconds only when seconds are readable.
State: 1.26
